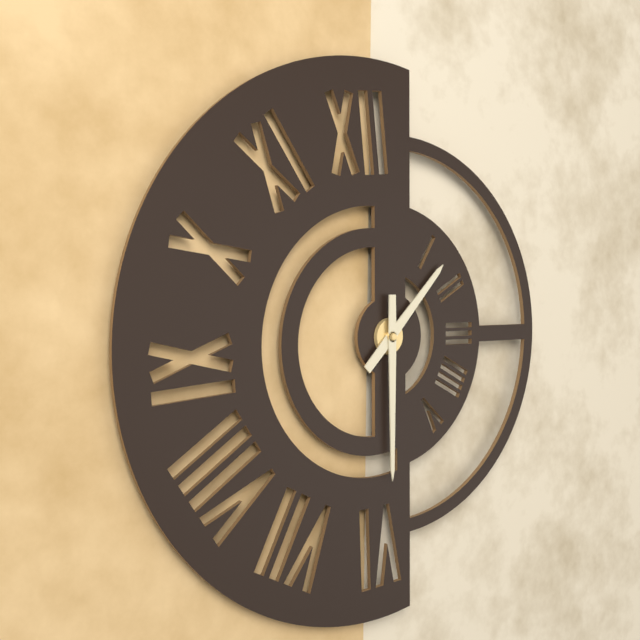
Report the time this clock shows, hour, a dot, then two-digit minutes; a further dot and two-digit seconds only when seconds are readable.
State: 1.30
